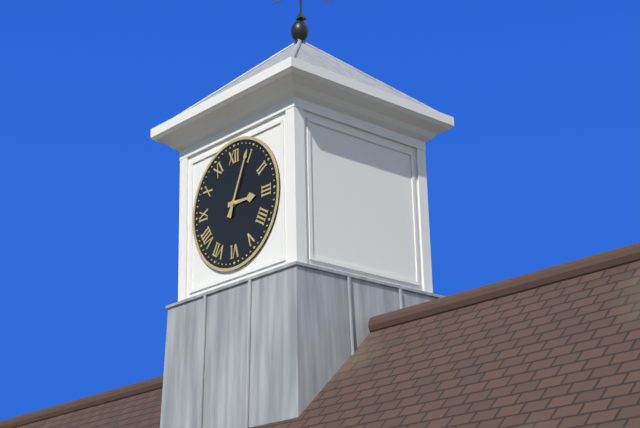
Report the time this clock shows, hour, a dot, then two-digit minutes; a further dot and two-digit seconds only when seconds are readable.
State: 3.04
